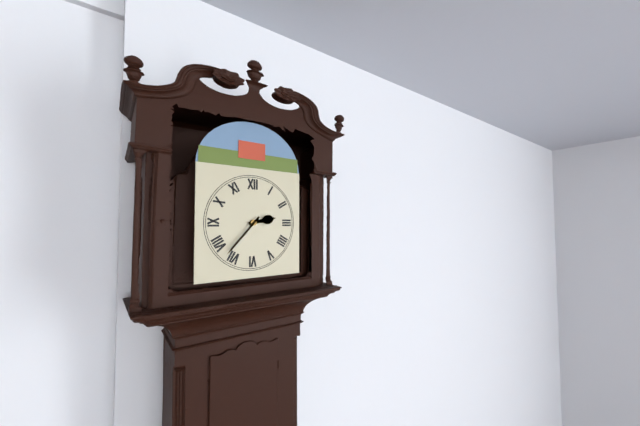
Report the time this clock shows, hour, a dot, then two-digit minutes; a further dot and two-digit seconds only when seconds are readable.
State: 2.37
